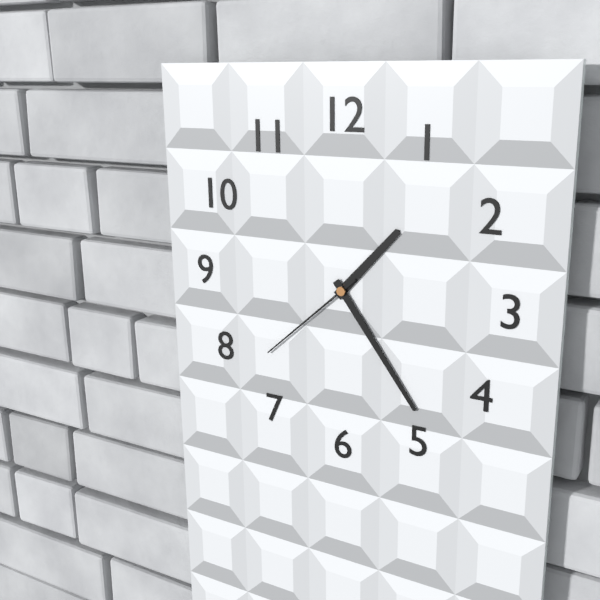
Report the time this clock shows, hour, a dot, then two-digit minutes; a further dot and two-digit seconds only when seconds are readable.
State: 1.24.38
